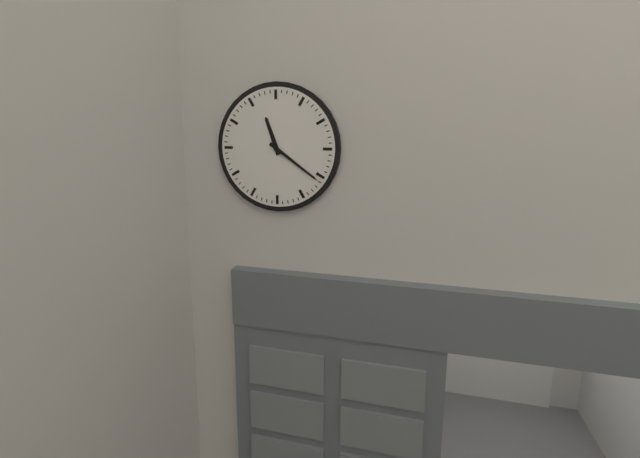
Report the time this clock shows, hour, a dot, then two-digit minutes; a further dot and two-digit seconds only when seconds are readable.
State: 11.21
